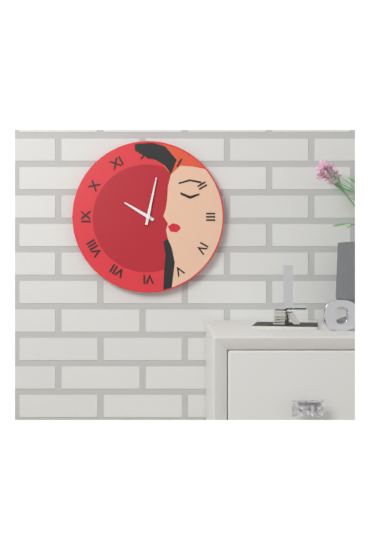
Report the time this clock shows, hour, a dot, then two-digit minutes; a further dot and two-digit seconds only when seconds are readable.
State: 10.02
